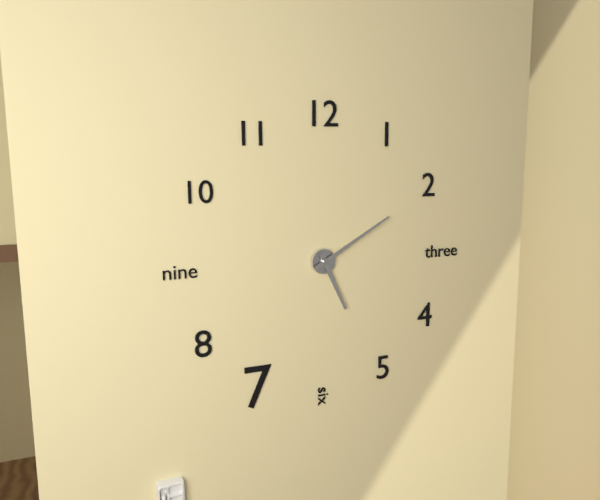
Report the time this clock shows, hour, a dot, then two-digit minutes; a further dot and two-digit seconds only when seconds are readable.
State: 5.10
